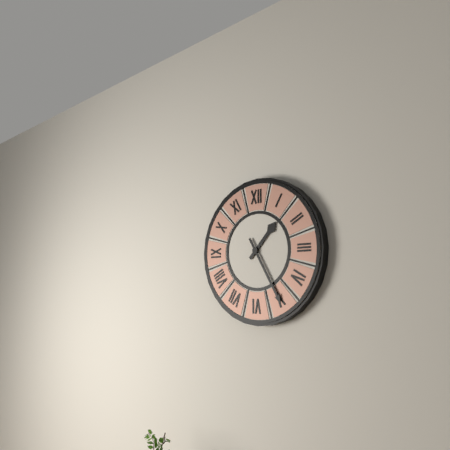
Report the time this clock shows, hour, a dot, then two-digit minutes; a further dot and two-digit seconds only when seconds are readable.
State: 1.25
